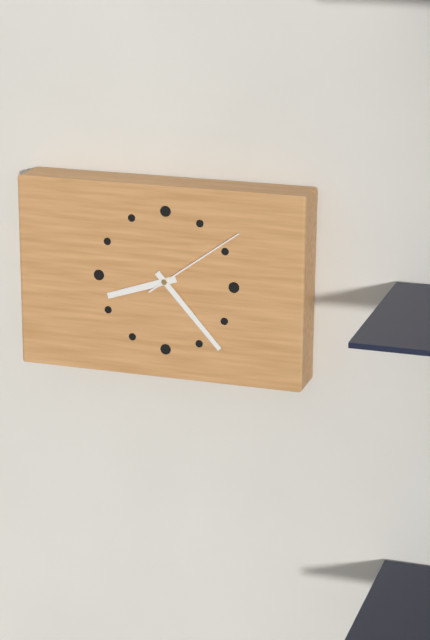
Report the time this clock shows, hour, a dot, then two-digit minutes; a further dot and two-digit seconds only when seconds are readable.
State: 8.23.09
